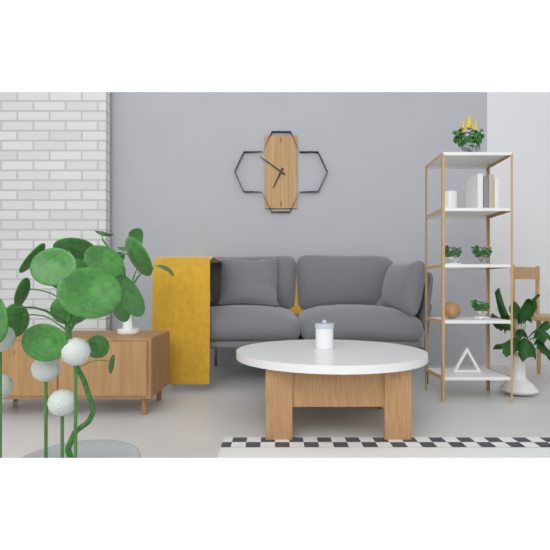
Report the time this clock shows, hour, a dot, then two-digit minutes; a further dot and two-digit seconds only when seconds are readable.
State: 6.51
